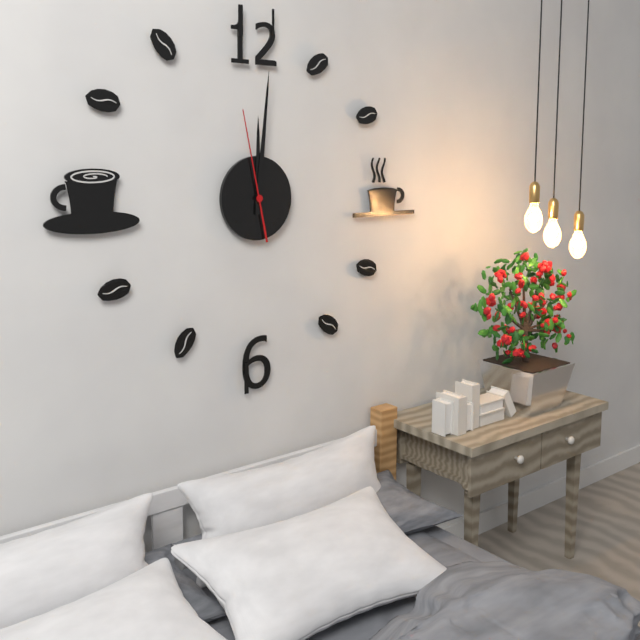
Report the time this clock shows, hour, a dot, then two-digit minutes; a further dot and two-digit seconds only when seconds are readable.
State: 12.01.58
